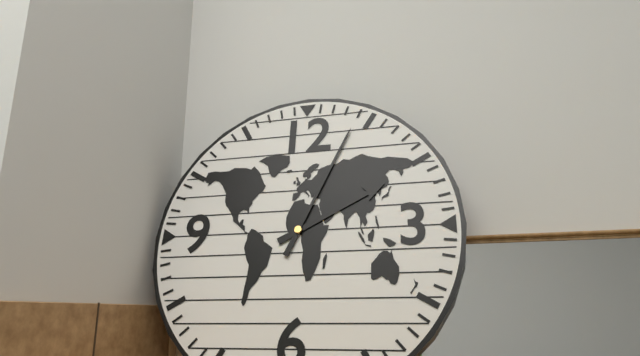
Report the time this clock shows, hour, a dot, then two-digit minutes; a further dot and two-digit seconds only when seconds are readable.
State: 2.04
